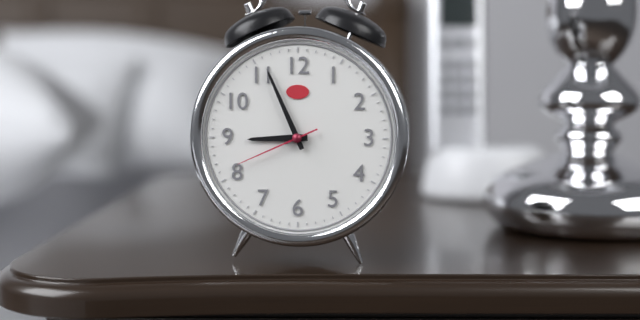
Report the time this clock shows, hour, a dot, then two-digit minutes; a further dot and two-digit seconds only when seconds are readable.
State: 8.56.41
